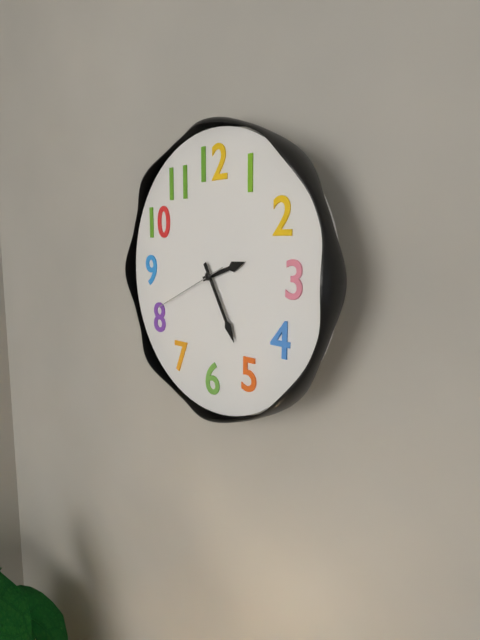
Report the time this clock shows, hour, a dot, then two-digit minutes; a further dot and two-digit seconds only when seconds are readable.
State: 2.25.41
